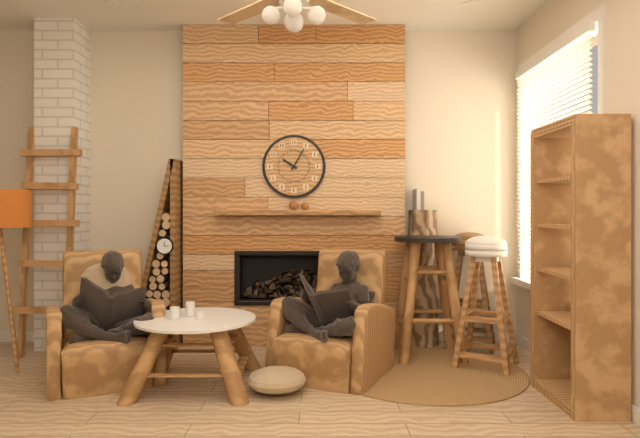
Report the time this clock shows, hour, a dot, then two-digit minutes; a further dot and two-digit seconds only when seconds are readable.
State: 10.05
